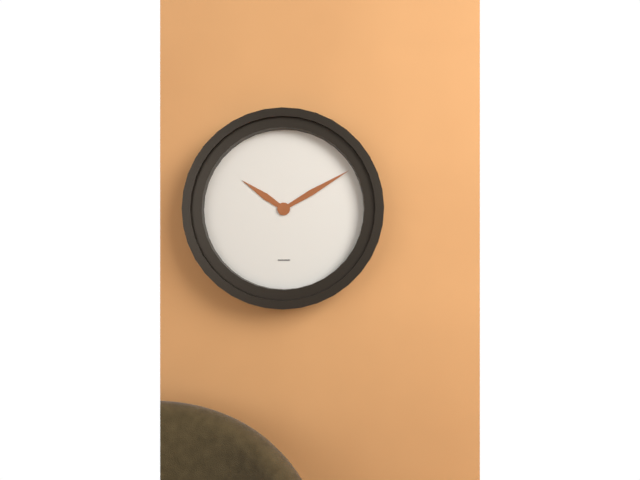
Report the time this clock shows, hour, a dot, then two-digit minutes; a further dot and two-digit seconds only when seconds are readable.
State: 10.10
